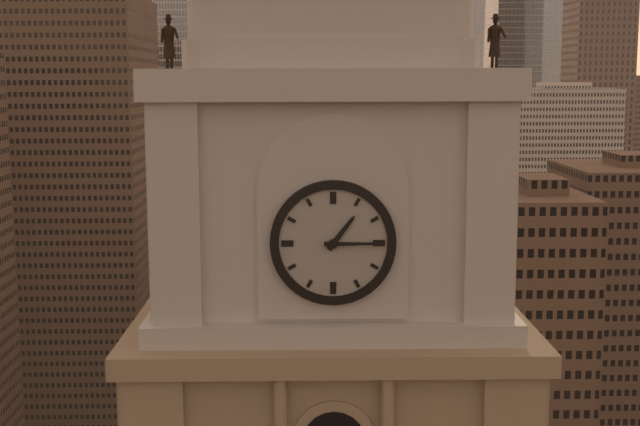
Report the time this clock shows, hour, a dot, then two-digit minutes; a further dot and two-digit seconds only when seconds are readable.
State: 1.15
